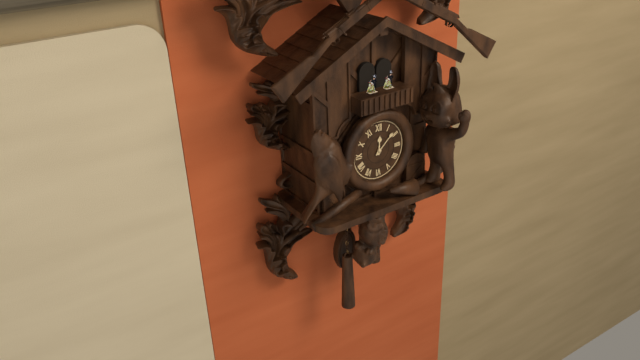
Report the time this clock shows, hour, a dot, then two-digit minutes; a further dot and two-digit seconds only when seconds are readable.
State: 12.08
